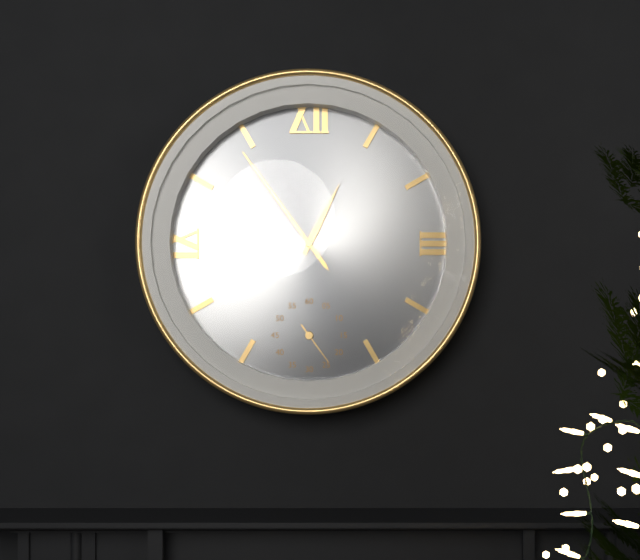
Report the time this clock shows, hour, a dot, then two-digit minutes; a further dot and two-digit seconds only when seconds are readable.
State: 12.54
